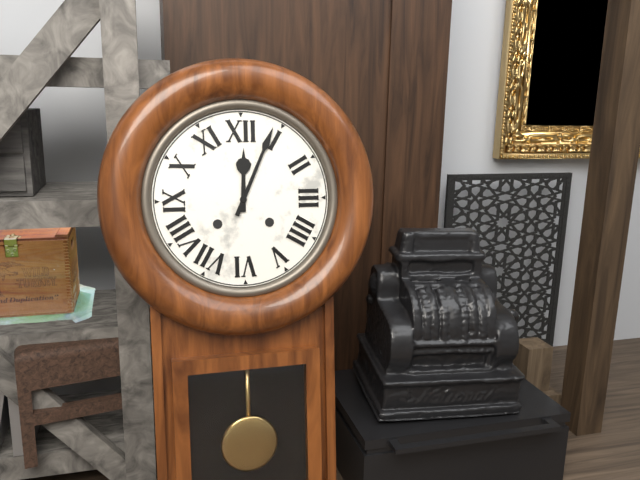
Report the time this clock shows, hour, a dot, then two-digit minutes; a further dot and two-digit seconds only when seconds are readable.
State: 12.04
